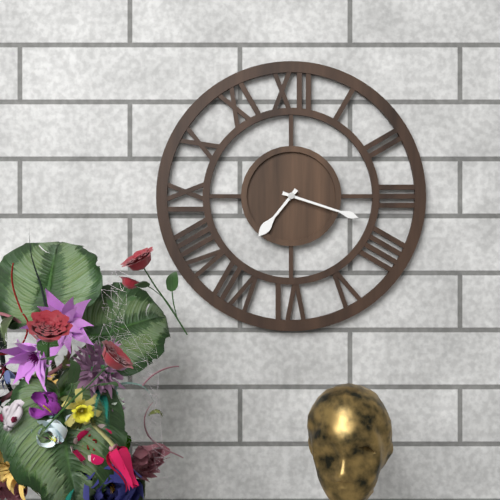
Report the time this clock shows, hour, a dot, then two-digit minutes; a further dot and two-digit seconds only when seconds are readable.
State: 7.18
